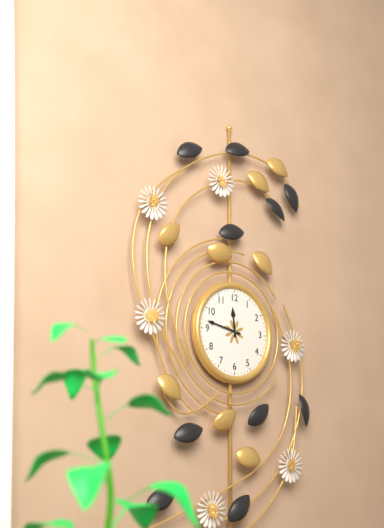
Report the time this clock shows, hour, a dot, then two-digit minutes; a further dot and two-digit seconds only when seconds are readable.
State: 11.47
